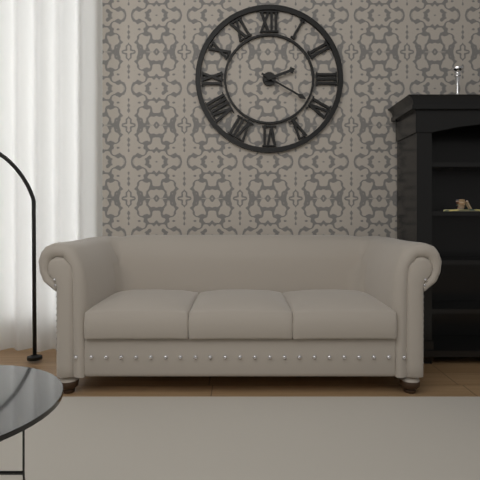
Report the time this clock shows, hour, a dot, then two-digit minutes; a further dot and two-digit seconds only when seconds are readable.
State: 2.20
